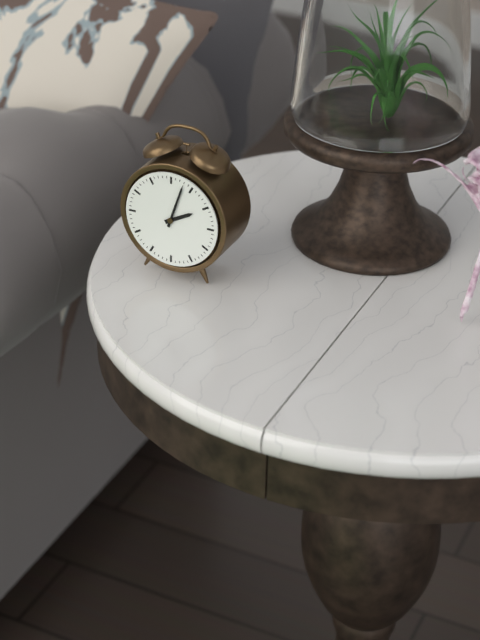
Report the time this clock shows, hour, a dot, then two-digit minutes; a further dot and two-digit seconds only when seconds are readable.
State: 2.03
